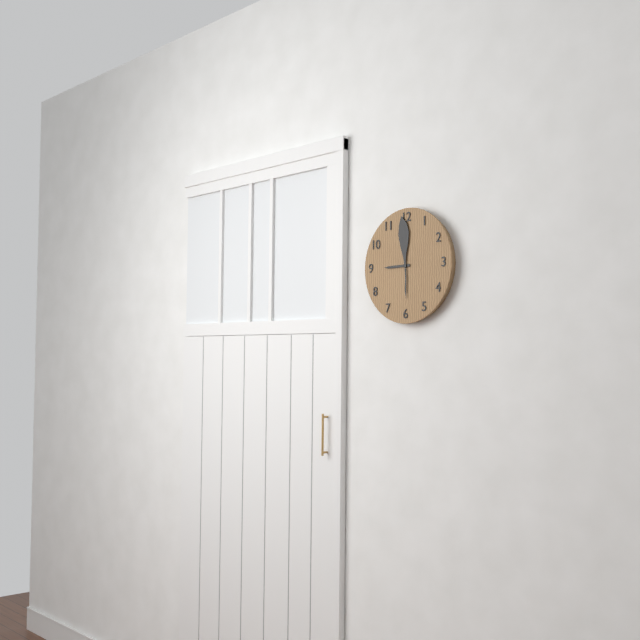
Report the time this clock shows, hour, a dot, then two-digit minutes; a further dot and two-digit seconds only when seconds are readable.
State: 8.59
